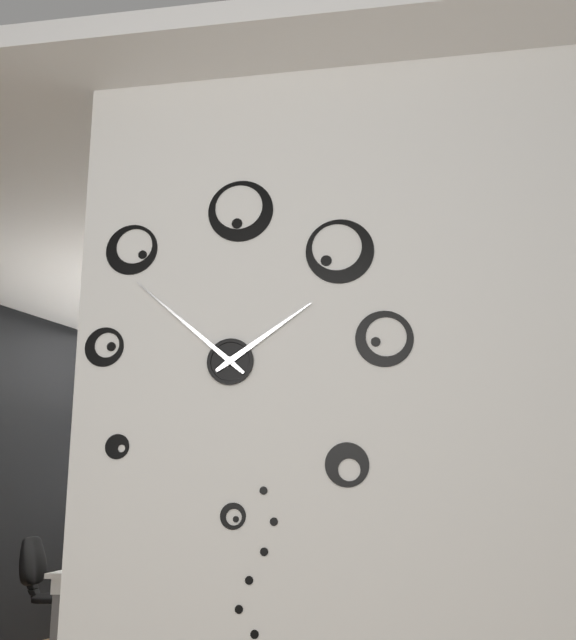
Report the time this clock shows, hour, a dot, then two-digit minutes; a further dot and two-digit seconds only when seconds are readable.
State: 1.52
